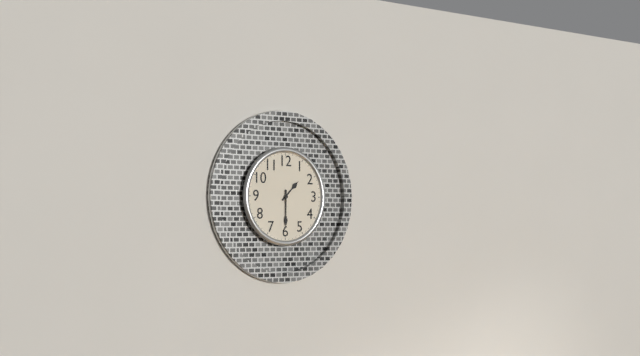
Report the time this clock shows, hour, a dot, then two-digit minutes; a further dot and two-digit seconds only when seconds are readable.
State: 1.30
